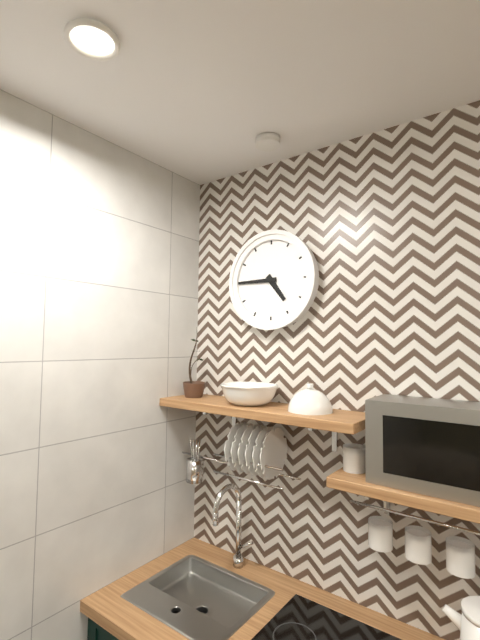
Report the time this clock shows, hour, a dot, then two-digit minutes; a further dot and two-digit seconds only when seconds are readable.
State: 4.45
